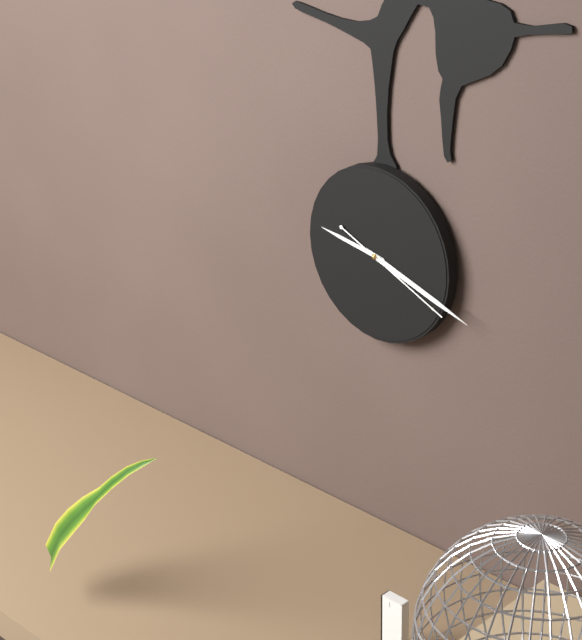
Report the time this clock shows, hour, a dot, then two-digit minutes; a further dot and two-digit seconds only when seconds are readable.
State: 9.18.19
